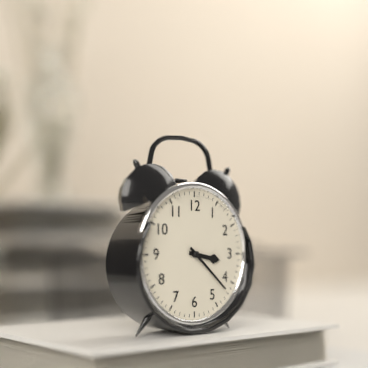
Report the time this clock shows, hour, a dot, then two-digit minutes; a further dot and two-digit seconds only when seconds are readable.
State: 3.22
